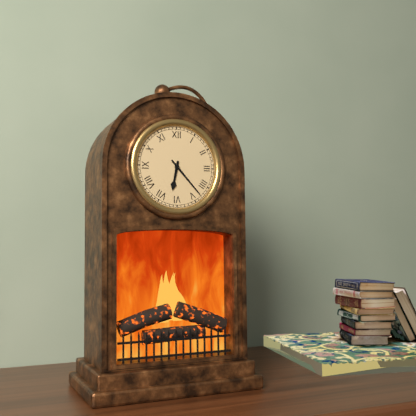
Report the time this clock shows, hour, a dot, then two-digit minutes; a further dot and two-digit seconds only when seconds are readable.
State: 6.23
